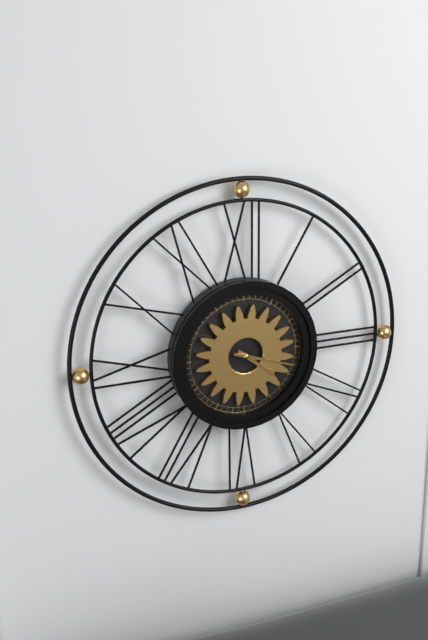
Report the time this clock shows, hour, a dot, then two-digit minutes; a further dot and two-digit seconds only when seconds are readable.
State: 4.18
